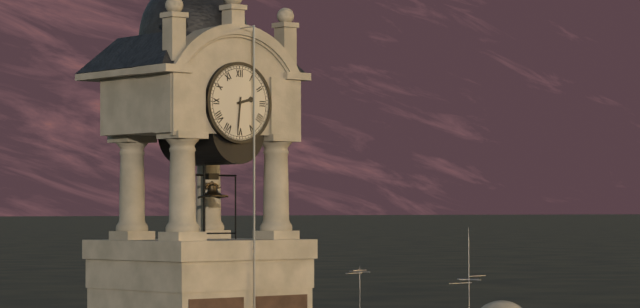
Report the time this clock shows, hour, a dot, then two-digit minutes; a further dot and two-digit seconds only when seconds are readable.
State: 2.31
